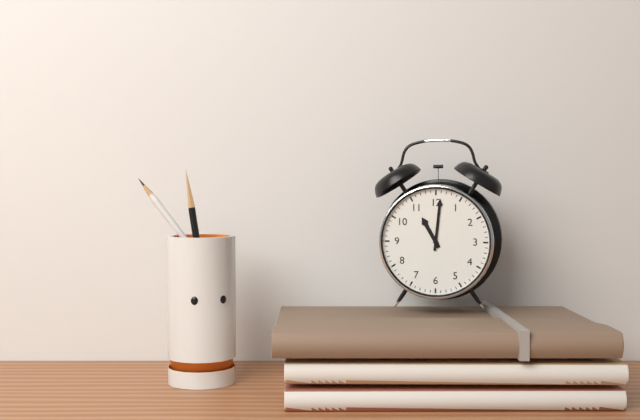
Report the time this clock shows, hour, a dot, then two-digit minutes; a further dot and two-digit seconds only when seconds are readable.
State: 11.01
